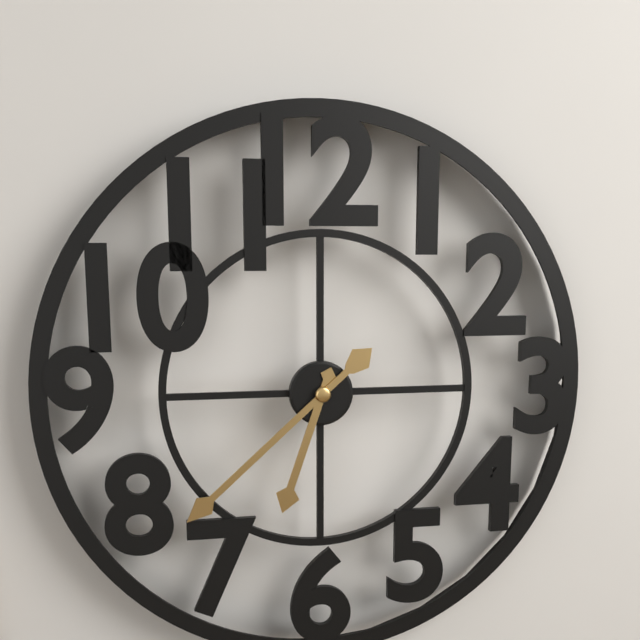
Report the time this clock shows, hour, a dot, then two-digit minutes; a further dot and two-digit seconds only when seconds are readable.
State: 6.38
